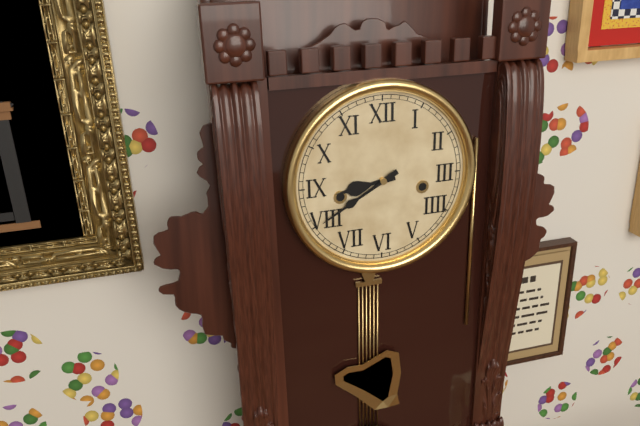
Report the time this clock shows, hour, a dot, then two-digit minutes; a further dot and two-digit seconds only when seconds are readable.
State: 8.40
